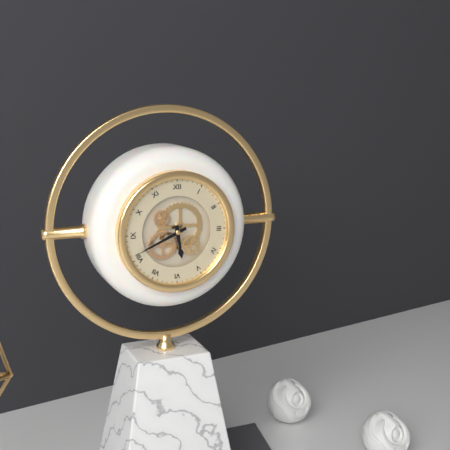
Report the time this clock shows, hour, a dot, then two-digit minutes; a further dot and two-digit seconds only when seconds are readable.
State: 5.41
